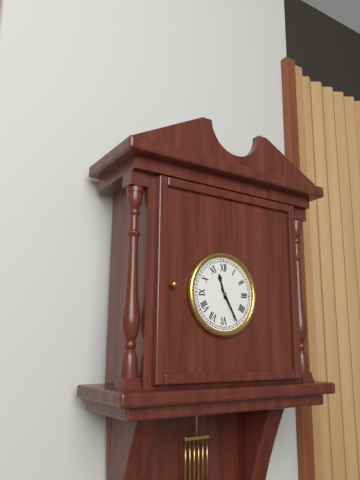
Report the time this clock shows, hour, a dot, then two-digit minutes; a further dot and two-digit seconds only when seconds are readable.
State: 11.25
